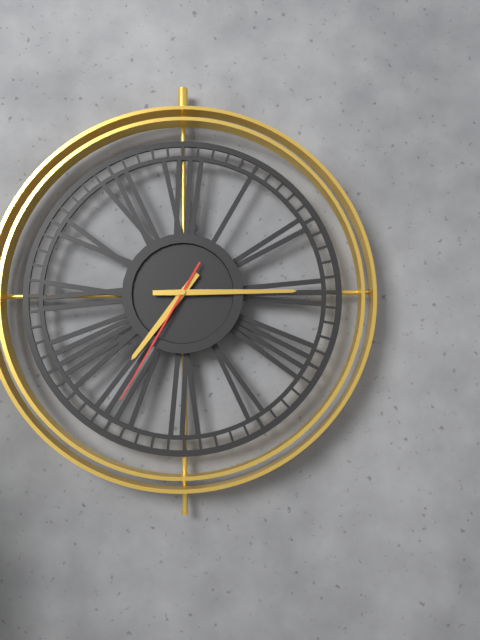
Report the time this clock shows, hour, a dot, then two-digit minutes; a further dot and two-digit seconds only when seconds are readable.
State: 7.15.35
